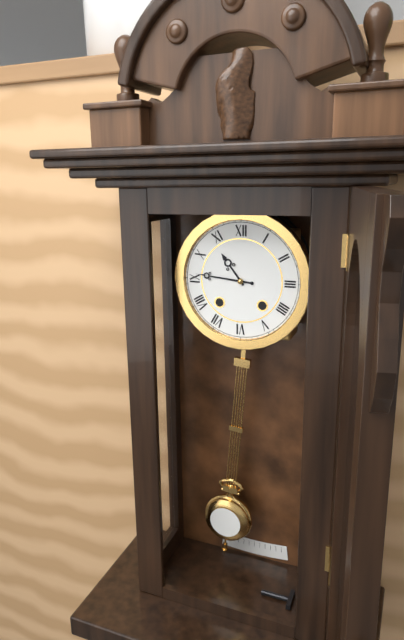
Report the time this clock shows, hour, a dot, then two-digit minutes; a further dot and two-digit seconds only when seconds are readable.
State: 10.46
